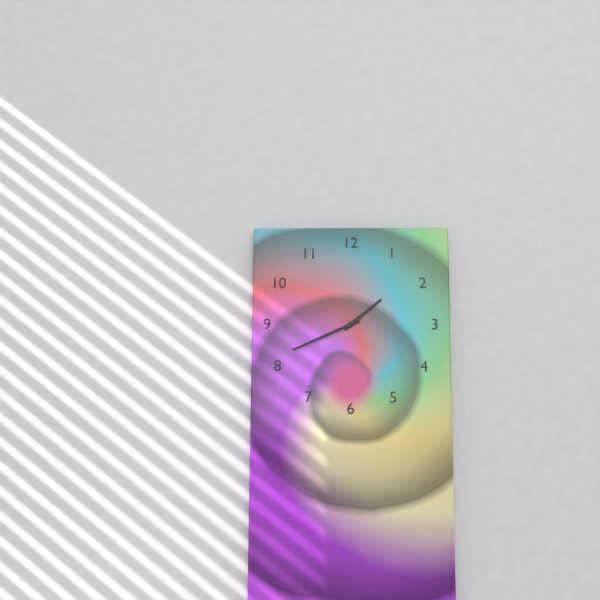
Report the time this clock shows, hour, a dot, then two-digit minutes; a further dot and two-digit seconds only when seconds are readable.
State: 1.41
